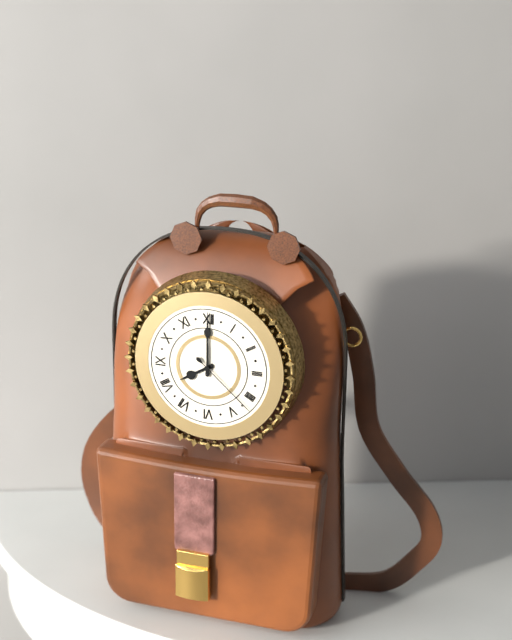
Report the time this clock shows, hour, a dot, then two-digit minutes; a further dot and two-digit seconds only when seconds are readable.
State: 8.00.22
